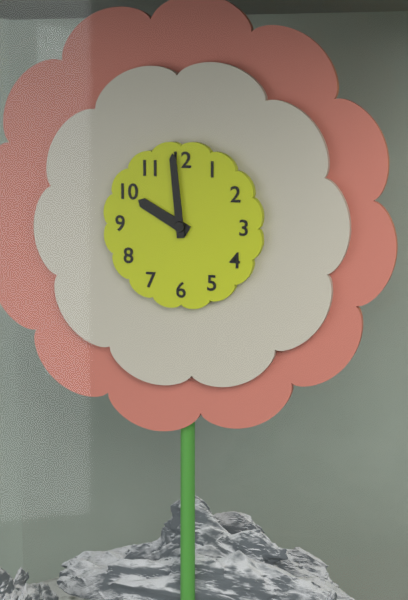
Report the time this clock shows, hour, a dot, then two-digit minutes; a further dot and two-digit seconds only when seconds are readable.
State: 9.59
